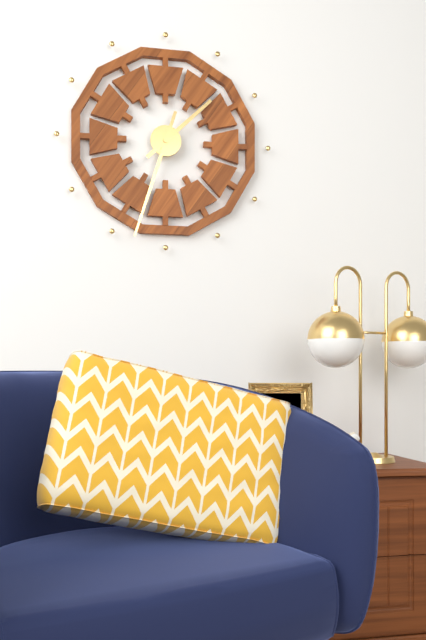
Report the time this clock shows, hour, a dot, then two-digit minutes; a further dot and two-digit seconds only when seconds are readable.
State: 1.33
